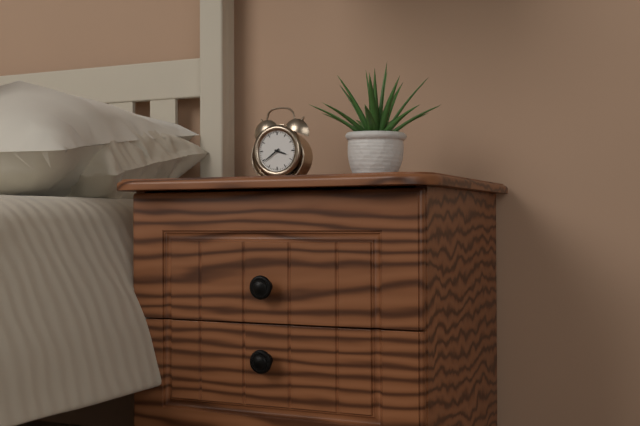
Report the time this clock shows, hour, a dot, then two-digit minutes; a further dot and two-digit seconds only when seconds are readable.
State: 3.39
